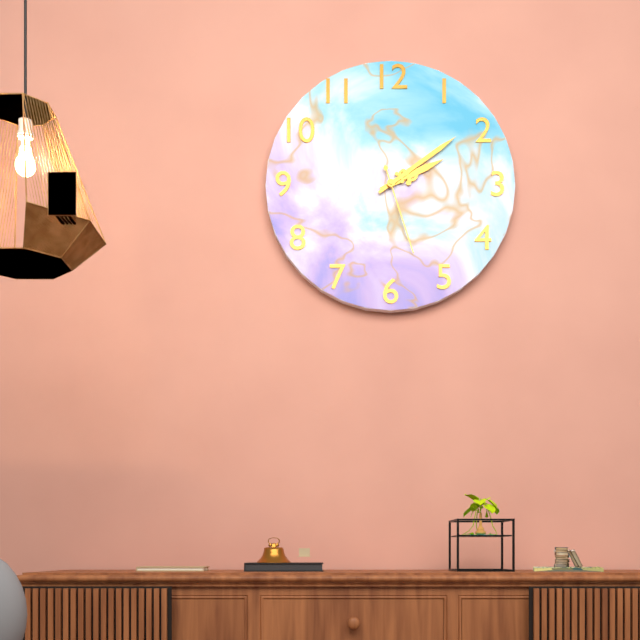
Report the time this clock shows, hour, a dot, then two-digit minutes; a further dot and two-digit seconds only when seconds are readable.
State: 2.09.27
